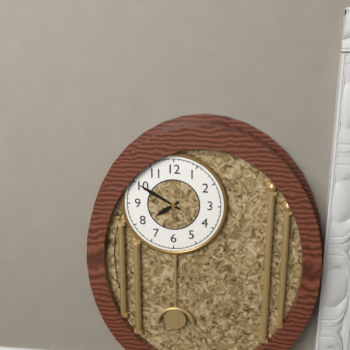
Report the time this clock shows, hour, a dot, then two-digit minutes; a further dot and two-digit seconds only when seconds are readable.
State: 7.50
